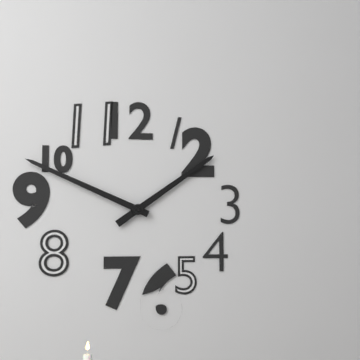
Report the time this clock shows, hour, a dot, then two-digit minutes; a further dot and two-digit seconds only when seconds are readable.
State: 1.49
